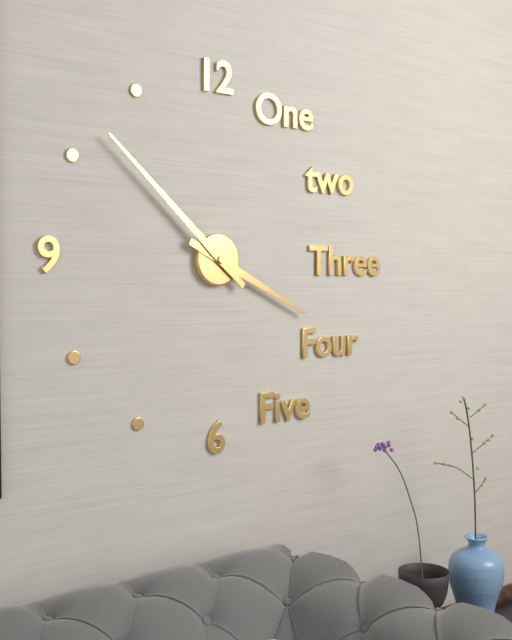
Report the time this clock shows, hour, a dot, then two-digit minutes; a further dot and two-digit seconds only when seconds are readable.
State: 3.52
